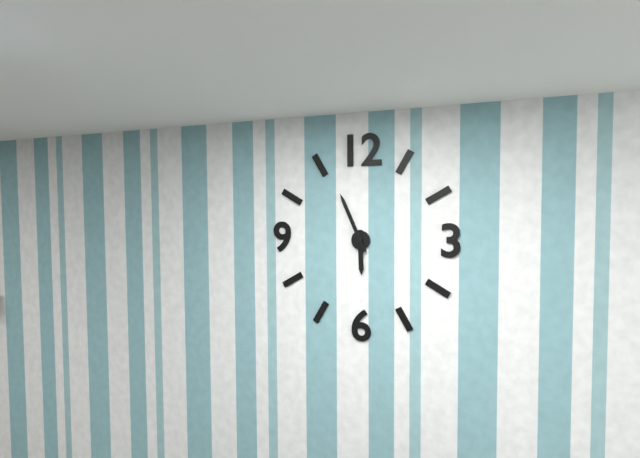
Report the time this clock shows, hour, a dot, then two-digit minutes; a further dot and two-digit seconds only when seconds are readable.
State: 5.56
